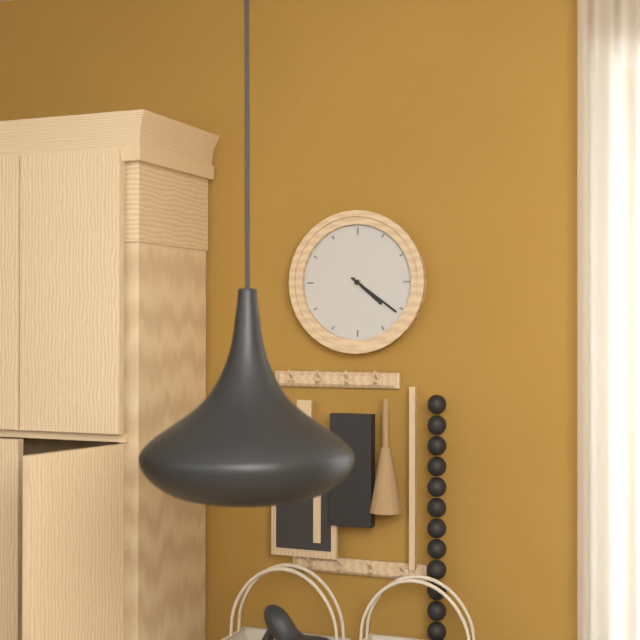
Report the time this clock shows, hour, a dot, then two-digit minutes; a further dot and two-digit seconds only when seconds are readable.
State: 4.21
